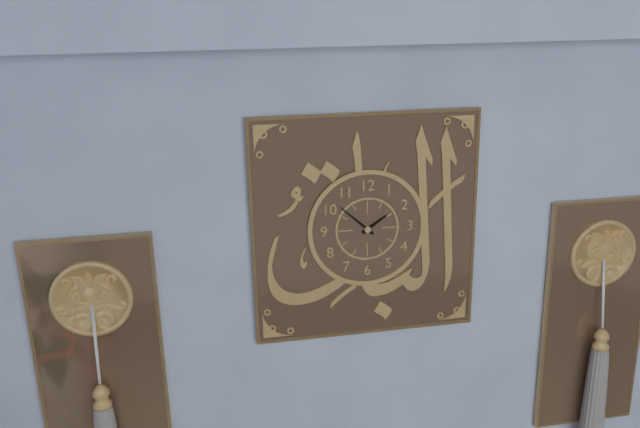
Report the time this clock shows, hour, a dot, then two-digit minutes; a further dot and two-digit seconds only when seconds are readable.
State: 1.52
